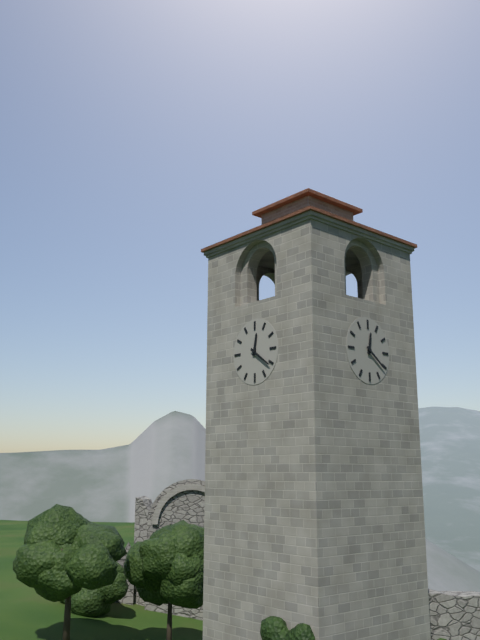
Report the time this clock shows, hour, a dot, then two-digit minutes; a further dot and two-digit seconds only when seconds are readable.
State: 12.21
